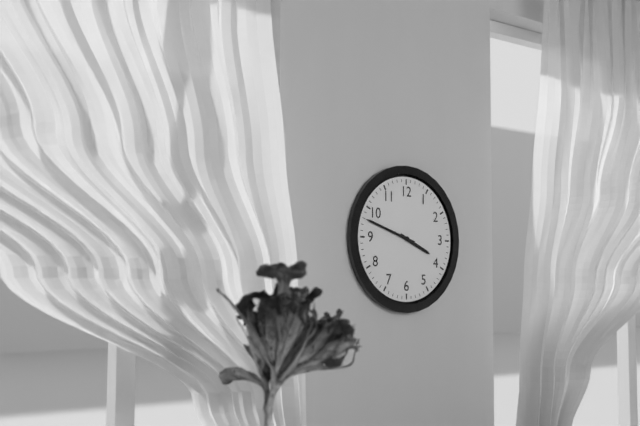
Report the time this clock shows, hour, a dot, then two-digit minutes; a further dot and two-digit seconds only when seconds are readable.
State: 3.48
